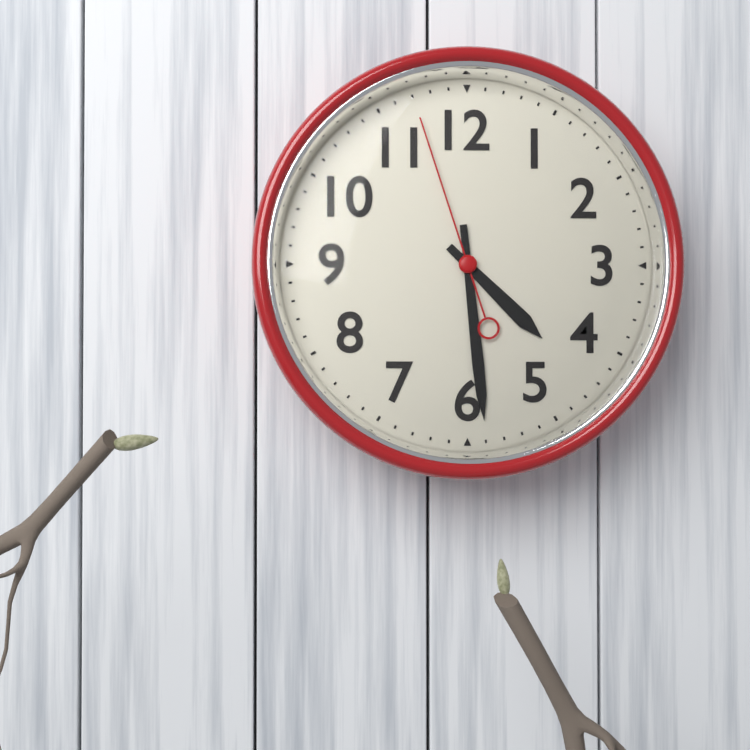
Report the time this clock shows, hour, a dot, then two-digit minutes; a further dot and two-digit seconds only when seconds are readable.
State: 4.29.57
